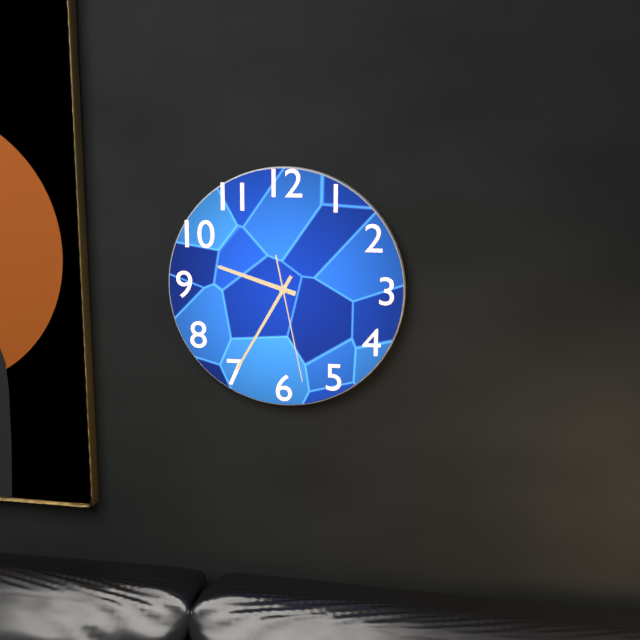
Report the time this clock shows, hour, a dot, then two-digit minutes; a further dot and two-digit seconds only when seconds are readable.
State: 9.35.28
